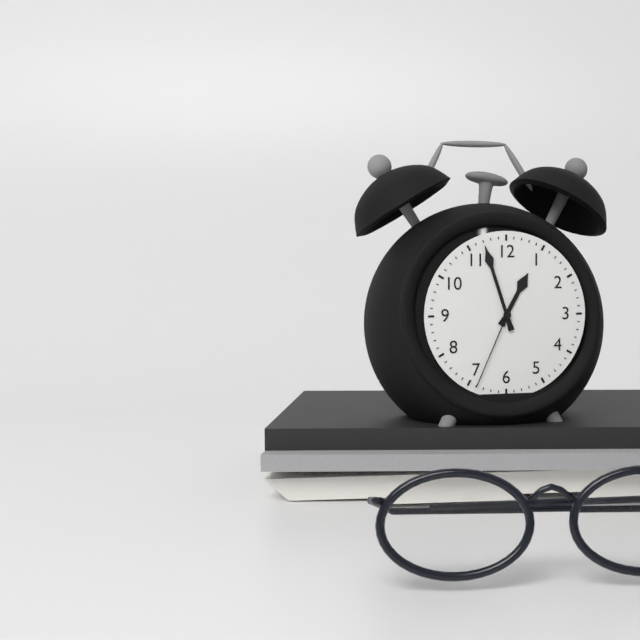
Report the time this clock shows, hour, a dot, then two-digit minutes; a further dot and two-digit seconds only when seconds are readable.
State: 12.57.34
